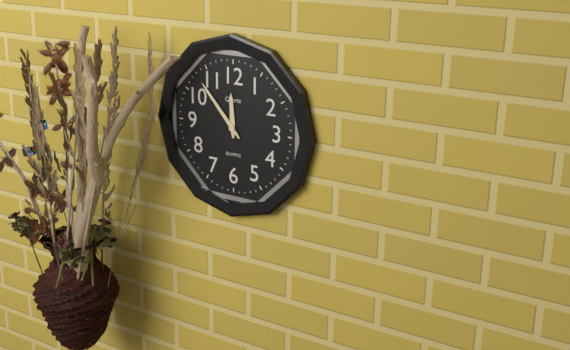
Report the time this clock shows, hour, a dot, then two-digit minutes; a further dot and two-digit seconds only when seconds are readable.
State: 11.53
